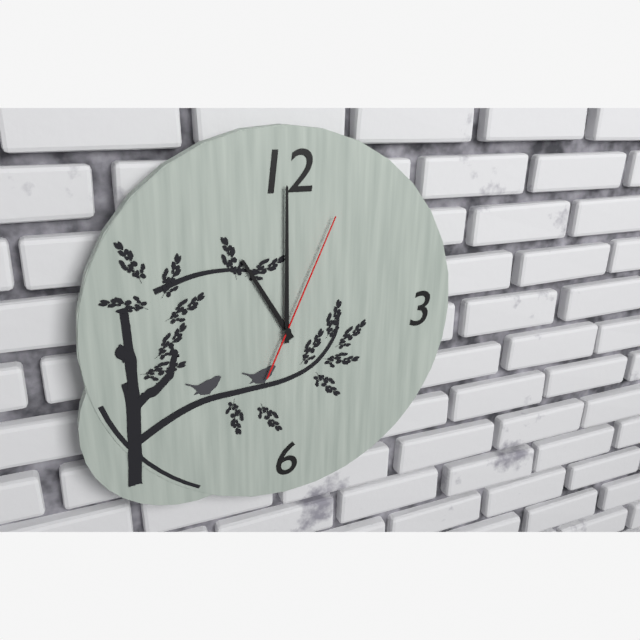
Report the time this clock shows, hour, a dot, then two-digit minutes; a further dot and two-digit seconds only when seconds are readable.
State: 11.00.04
